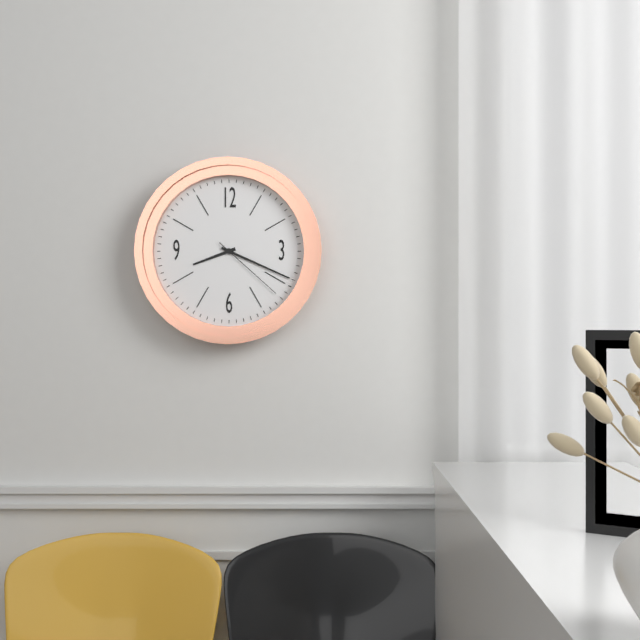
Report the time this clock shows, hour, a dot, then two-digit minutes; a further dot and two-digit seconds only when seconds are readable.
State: 8.19.22
